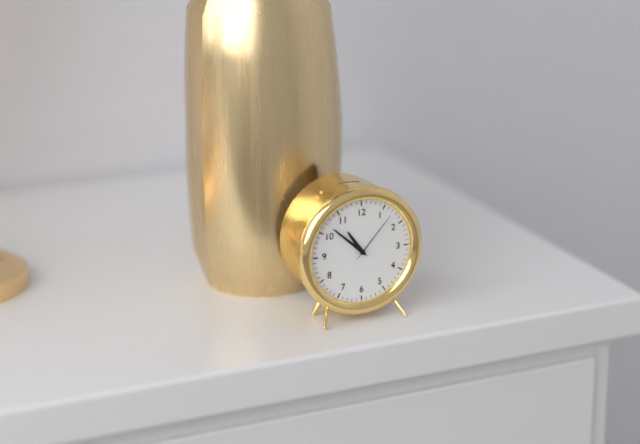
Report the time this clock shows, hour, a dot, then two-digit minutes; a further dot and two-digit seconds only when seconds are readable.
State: 10.52.07
